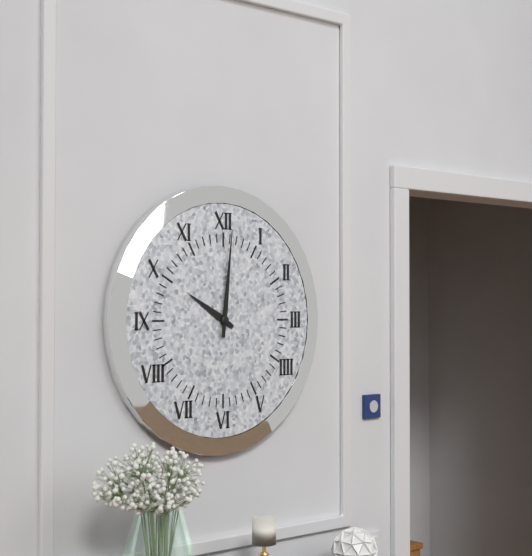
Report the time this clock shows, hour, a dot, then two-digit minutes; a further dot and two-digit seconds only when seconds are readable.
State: 10.01
